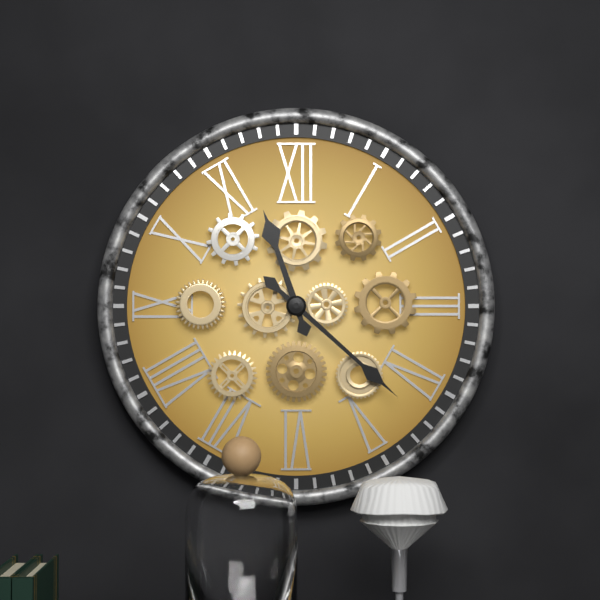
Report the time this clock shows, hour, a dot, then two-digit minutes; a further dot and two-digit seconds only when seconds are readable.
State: 11.22
